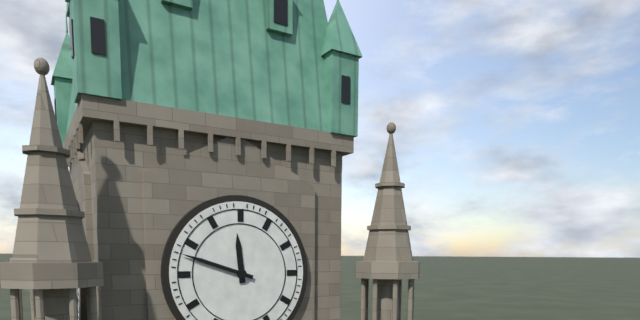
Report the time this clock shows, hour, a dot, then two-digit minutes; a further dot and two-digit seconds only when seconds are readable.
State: 11.48
